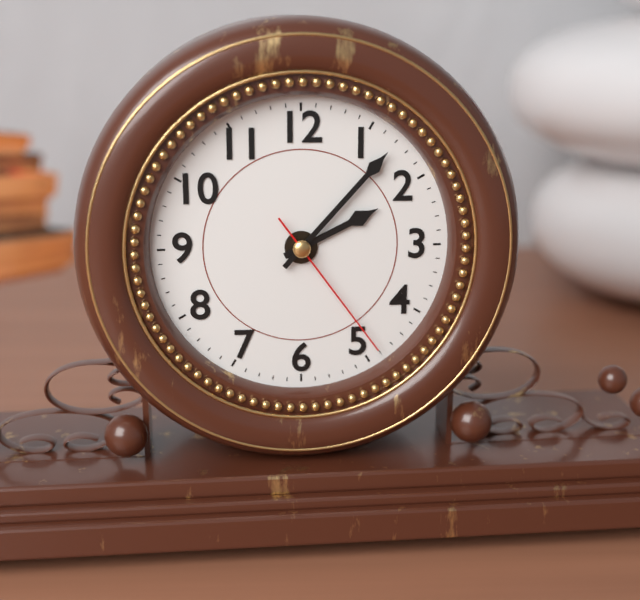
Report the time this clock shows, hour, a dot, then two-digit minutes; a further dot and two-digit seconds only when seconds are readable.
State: 2.07.24
